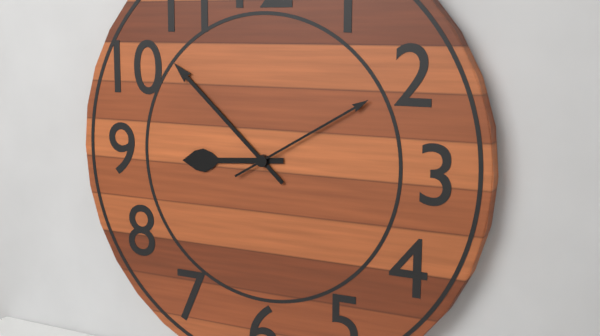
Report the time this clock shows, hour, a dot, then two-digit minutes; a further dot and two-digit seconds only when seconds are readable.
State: 8.52.10
